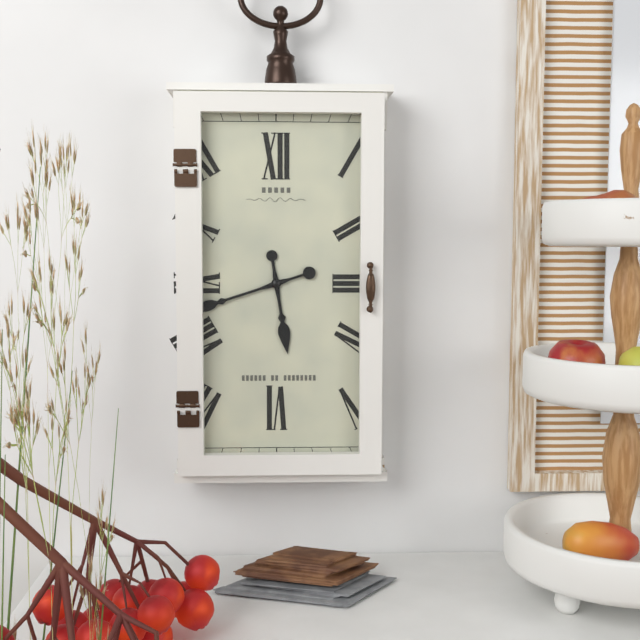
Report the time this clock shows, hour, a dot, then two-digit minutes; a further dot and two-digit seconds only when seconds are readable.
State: 5.42
